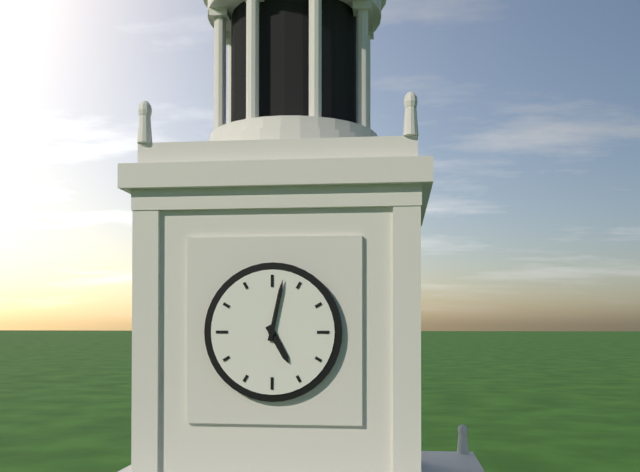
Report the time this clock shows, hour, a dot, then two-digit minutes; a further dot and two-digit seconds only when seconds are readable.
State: 5.02
